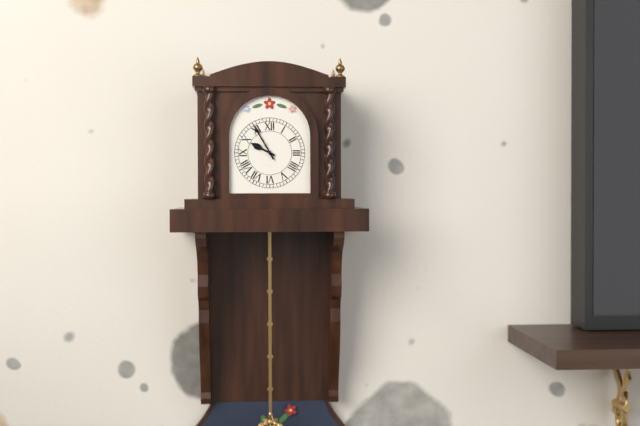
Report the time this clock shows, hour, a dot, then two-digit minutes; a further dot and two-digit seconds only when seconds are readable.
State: 9.55
